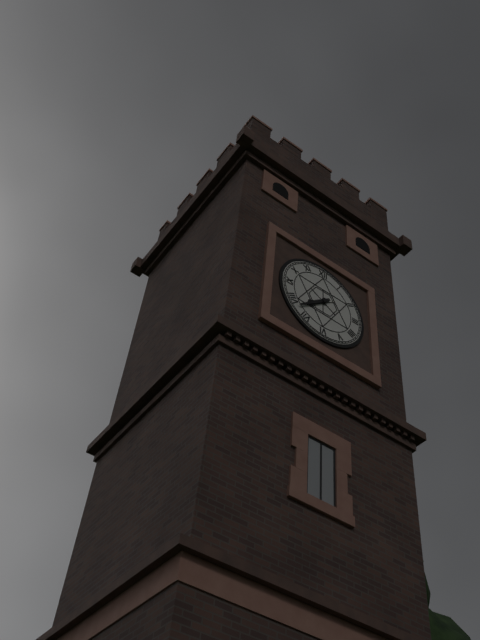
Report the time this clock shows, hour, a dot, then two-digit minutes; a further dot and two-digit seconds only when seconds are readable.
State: 7.38
